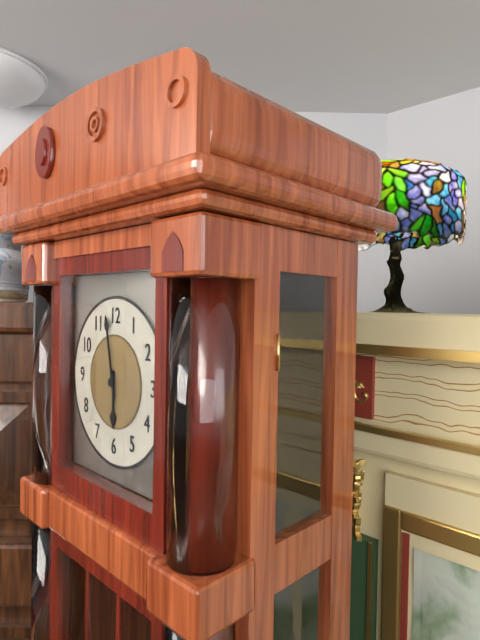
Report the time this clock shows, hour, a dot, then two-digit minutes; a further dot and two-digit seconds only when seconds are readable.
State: 5.58
